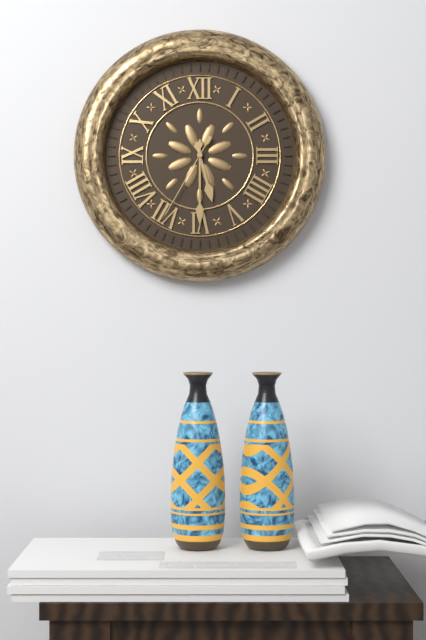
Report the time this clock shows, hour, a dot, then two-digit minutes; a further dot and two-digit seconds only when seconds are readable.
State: 5.30.35
